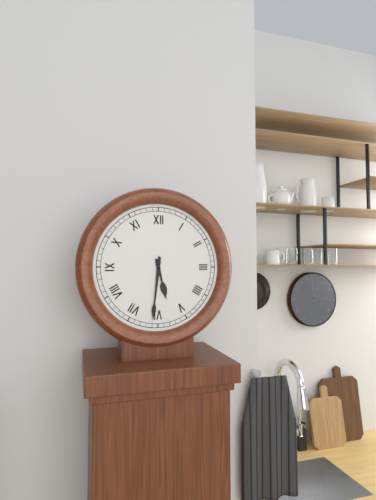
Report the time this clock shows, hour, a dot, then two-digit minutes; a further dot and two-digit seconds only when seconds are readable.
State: 5.31
